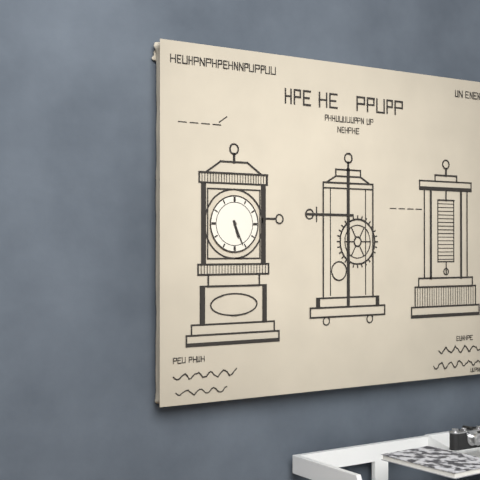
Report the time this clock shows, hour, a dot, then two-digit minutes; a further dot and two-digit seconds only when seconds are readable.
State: 5.26
